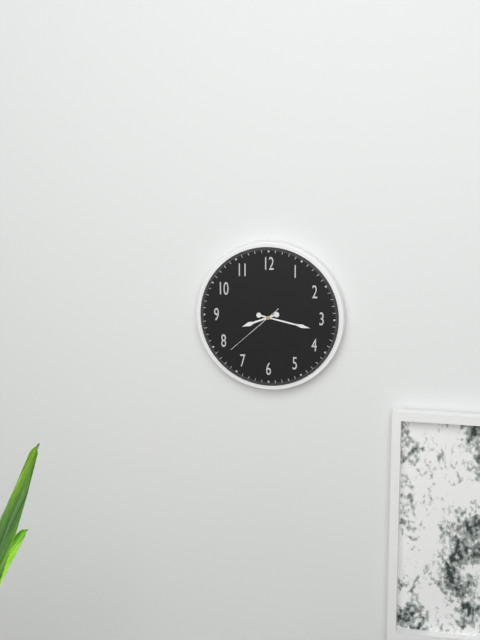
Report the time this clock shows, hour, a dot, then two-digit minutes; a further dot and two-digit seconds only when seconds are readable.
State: 8.17.38
